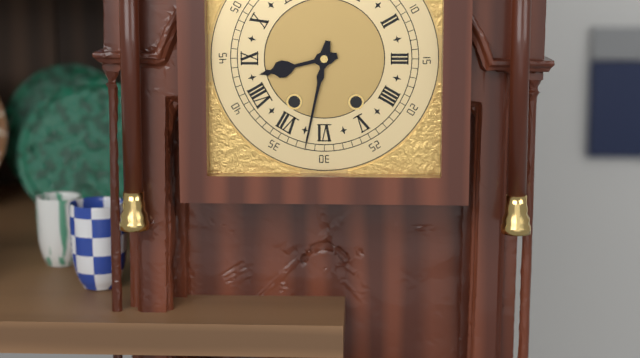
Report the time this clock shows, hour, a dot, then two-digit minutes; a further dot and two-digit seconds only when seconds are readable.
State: 8.32
